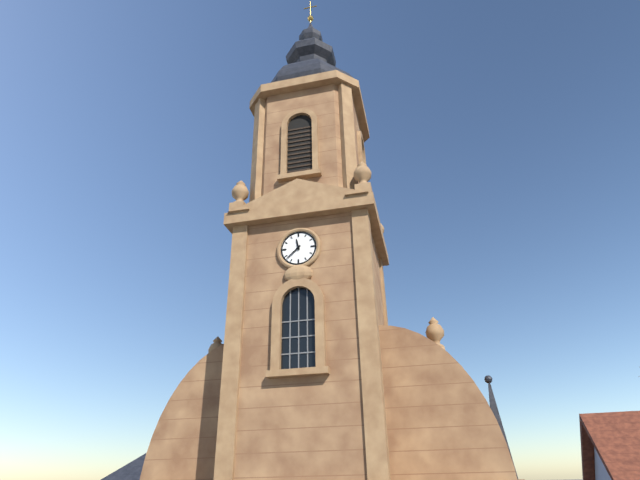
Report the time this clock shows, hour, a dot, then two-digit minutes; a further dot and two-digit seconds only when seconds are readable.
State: 11.38
